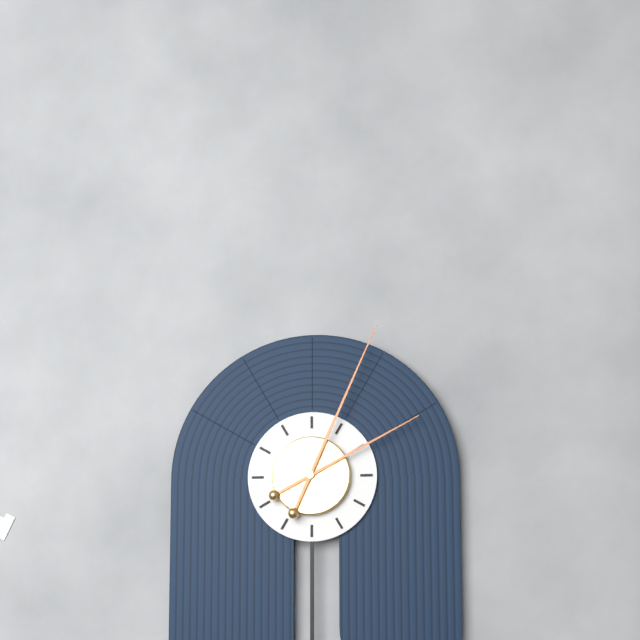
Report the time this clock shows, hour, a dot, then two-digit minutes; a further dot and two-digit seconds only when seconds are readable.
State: 2.04
